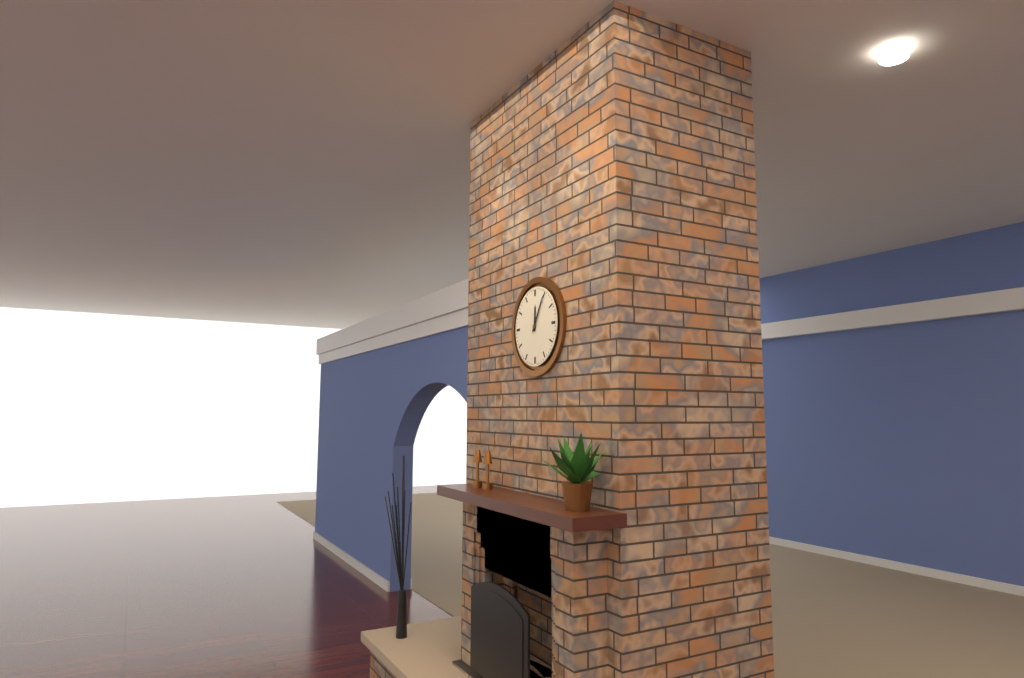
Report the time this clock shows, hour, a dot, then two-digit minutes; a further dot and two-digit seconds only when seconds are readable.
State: 12.05
